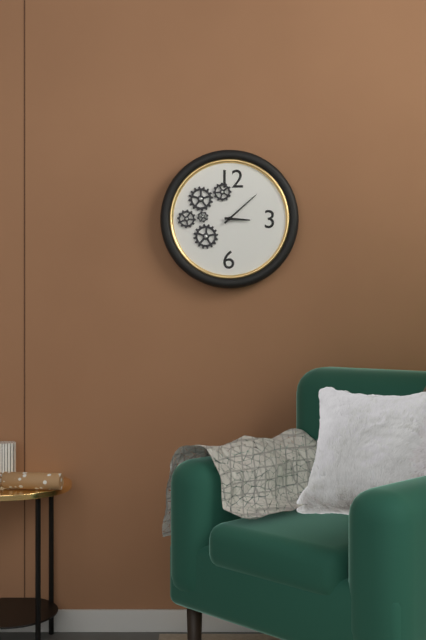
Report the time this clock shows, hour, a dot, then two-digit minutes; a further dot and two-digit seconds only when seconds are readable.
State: 3.08
